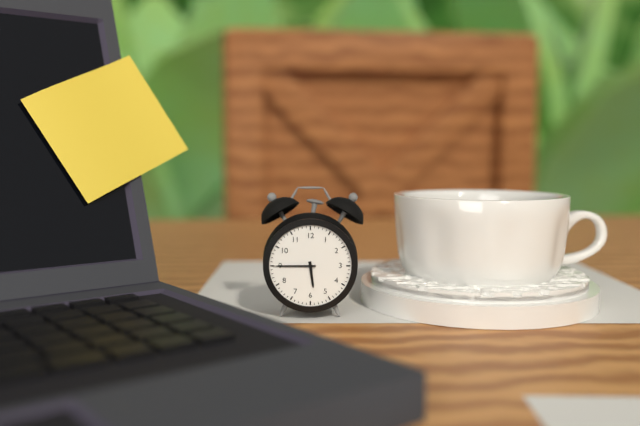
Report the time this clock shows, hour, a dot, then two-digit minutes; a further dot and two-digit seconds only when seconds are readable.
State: 5.45
